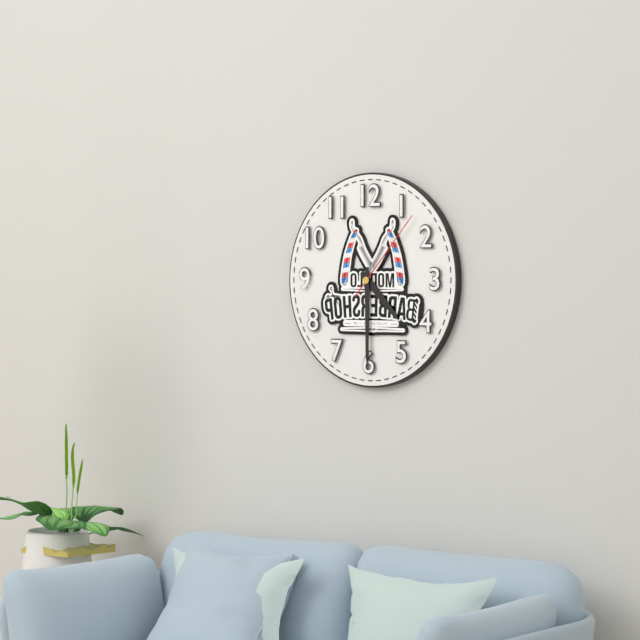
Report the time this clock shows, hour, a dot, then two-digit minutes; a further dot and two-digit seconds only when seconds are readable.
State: 4.30.07
